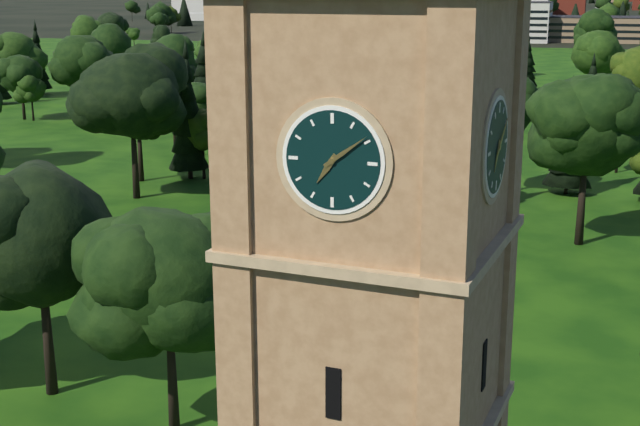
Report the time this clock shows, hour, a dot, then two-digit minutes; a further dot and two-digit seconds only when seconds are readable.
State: 7.09
